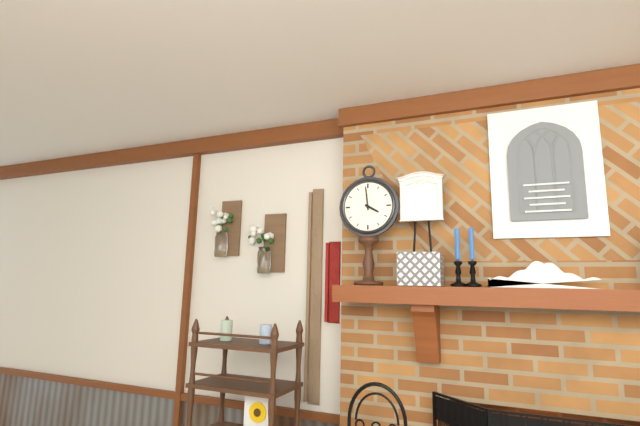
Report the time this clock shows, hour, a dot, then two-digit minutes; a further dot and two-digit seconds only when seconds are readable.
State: 3.59
